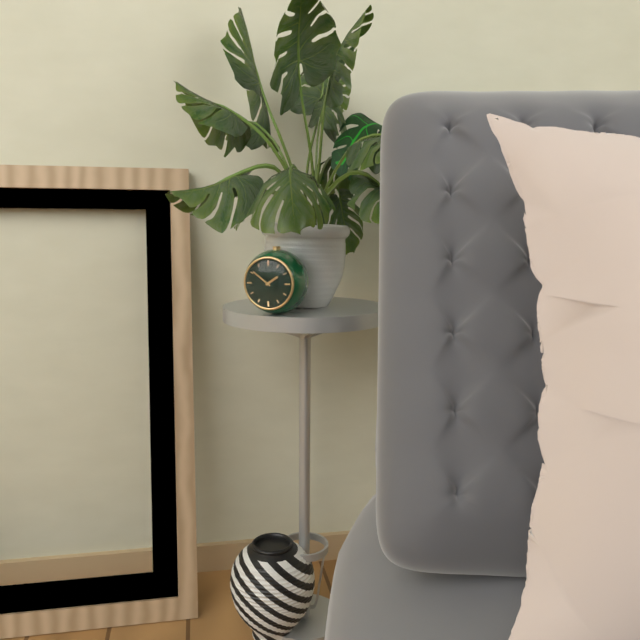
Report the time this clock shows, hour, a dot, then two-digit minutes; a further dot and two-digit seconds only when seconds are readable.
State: 1.51
